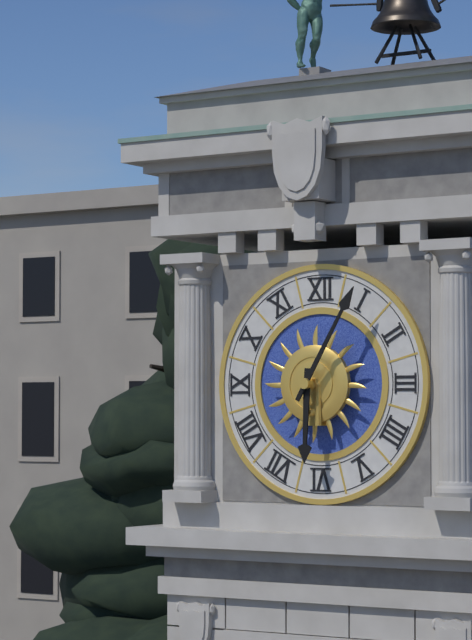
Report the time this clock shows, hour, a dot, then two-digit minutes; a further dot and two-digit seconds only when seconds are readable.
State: 6.05
